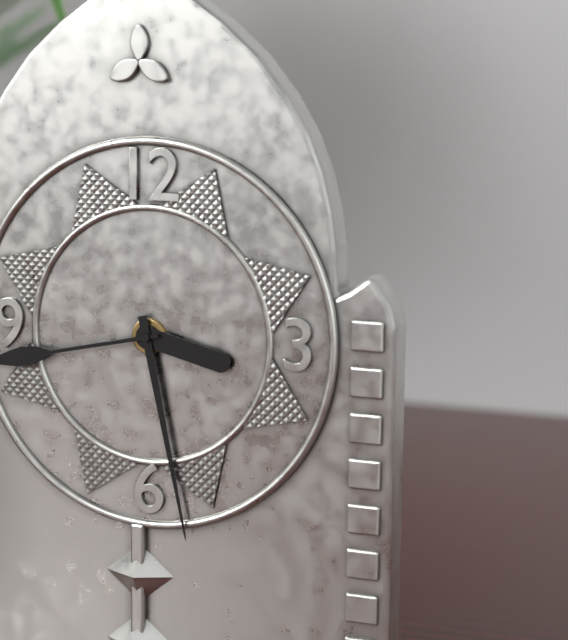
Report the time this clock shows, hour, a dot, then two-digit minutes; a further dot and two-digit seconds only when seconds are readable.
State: 3.28
